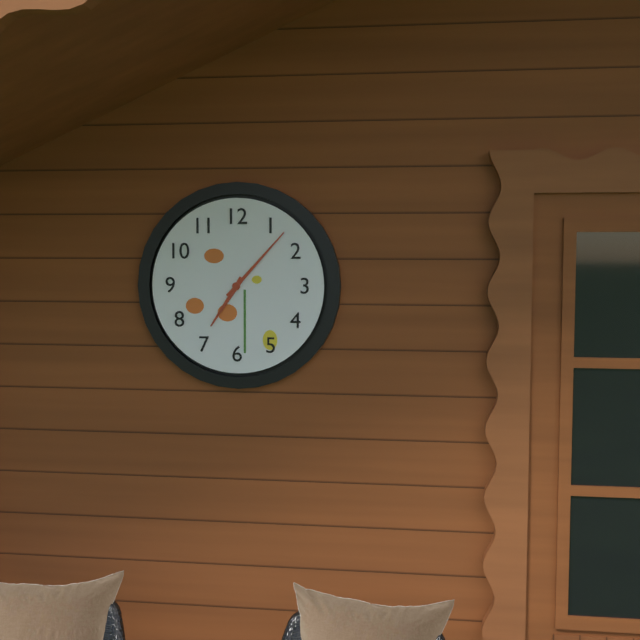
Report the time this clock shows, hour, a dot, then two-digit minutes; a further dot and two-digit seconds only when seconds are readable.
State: 7.07
